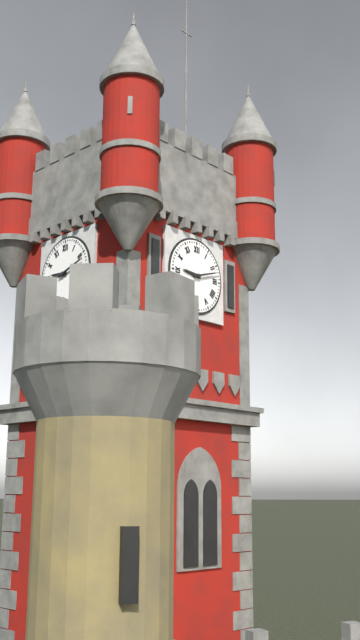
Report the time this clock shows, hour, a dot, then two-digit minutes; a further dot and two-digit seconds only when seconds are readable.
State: 9.12
